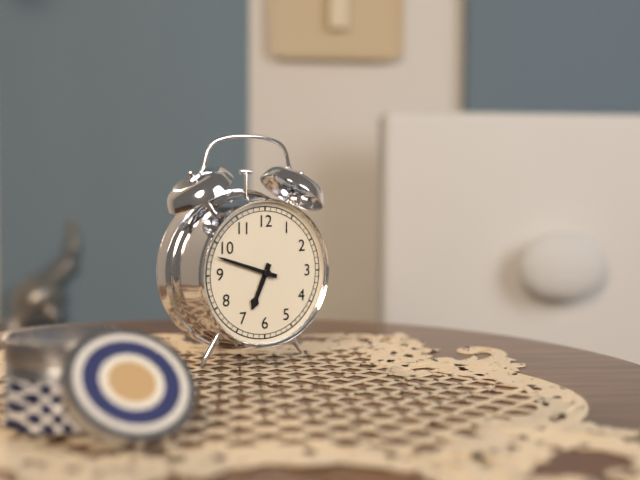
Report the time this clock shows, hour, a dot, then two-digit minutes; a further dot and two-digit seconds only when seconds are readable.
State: 6.48
